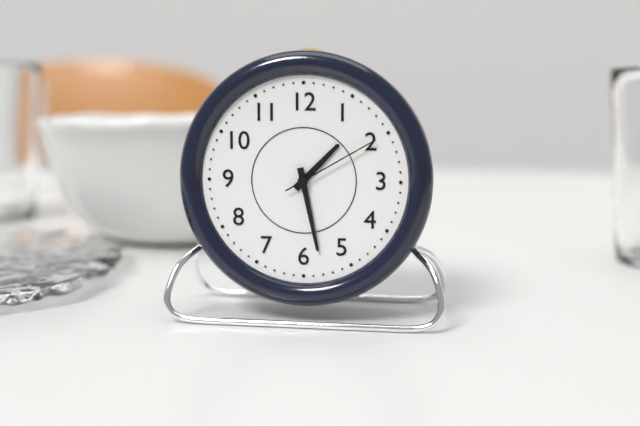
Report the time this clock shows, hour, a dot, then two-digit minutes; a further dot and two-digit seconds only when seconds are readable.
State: 1.28.10
